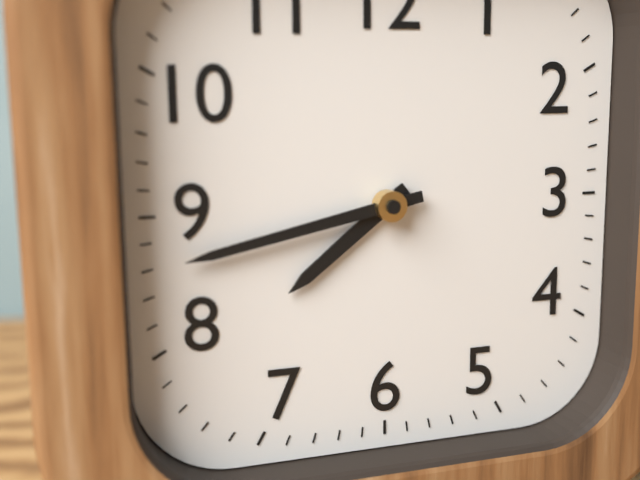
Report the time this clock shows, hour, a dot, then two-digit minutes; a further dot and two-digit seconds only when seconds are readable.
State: 7.43
